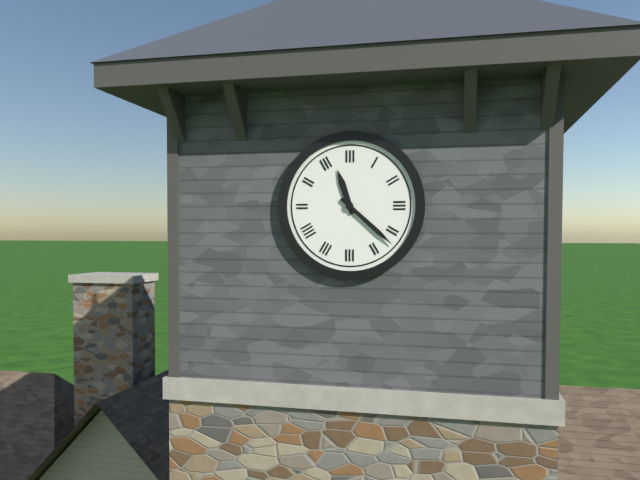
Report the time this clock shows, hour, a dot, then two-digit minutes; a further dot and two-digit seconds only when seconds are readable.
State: 11.22
